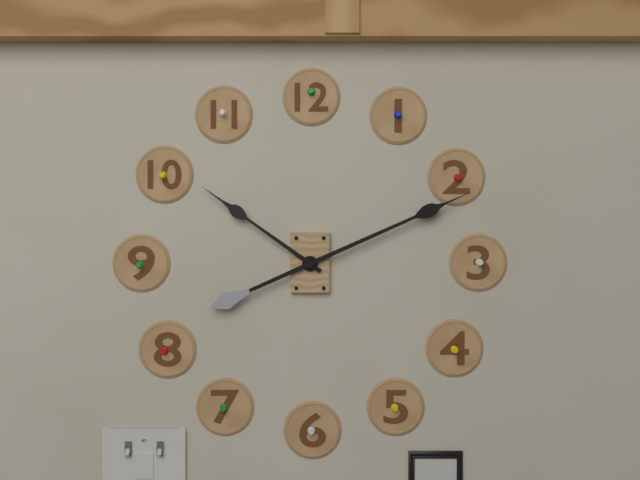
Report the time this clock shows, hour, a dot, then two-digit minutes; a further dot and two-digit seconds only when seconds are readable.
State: 10.11
